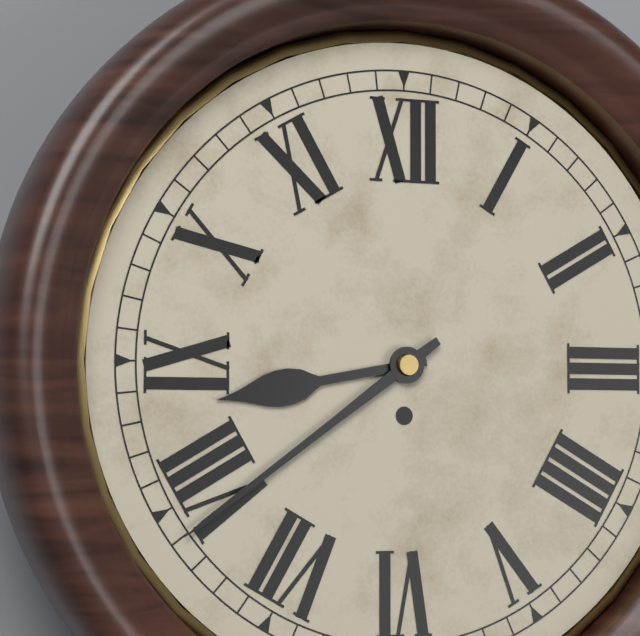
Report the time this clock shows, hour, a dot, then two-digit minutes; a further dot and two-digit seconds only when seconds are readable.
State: 8.39
